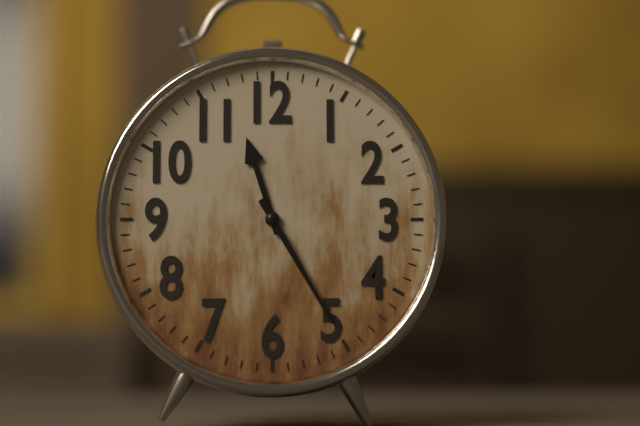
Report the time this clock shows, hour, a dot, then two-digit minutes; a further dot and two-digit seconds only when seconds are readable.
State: 11.25
